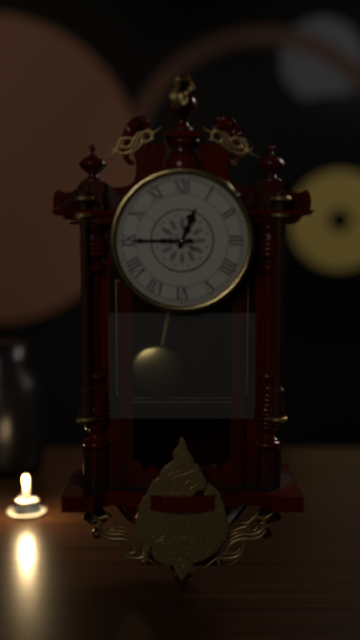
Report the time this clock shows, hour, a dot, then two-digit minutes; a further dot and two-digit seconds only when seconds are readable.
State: 12.45.51
